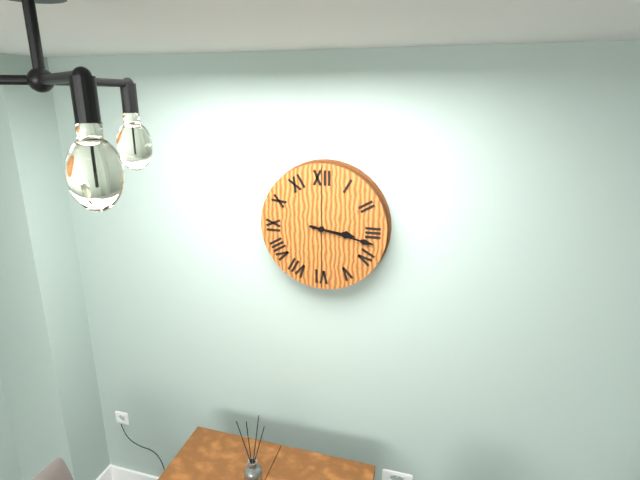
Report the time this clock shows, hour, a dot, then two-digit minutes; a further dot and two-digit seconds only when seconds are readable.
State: 3.17
